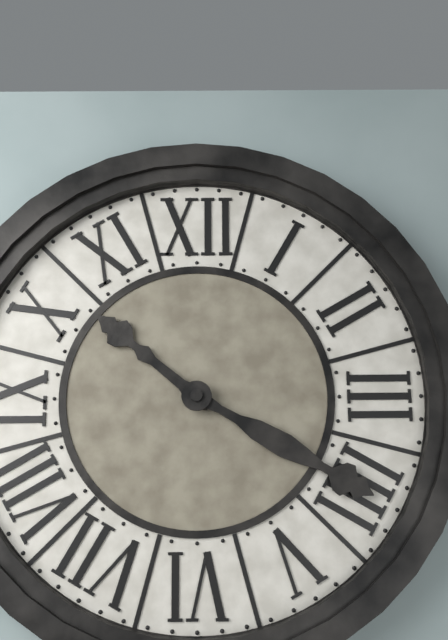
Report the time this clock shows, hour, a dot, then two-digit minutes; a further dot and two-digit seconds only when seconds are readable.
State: 10.20
